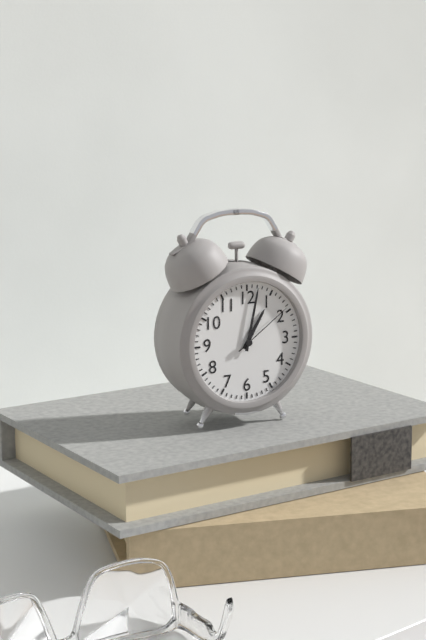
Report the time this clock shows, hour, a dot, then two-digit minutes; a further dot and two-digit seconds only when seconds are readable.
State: 1.02.09
